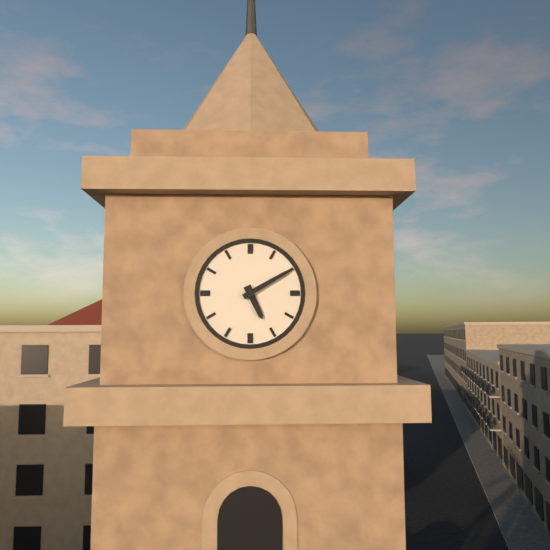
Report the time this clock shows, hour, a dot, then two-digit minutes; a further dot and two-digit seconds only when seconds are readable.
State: 5.10
